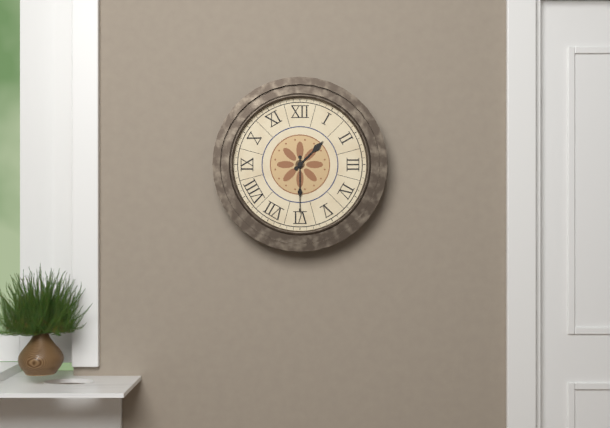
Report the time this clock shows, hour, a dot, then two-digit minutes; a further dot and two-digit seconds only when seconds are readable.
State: 1.30
